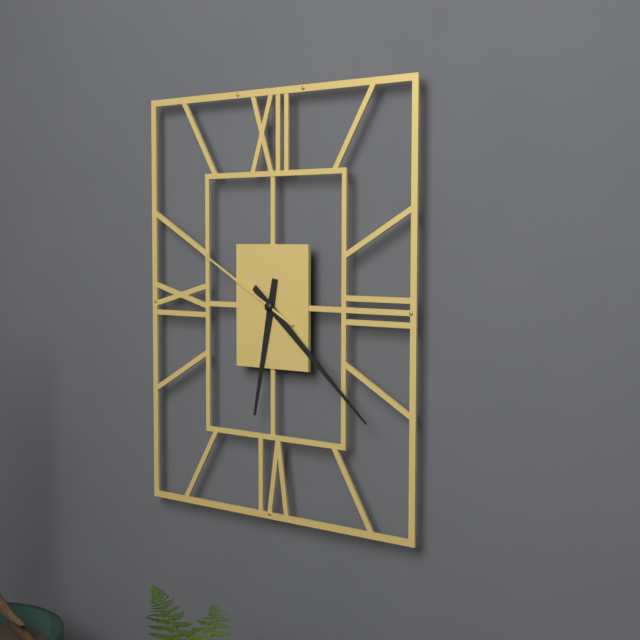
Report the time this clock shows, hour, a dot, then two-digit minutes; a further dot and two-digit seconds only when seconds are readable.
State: 6.22.50
